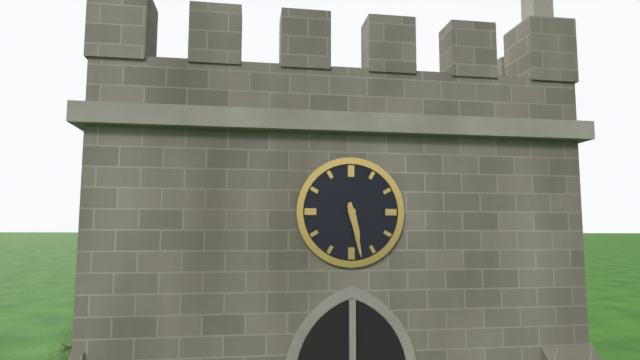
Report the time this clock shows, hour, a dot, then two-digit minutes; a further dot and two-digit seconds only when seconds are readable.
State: 5.28
